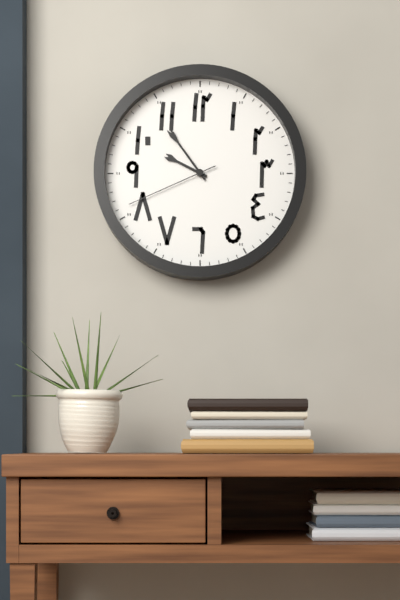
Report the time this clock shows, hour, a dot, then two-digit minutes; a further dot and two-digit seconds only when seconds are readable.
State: 9.54.41
